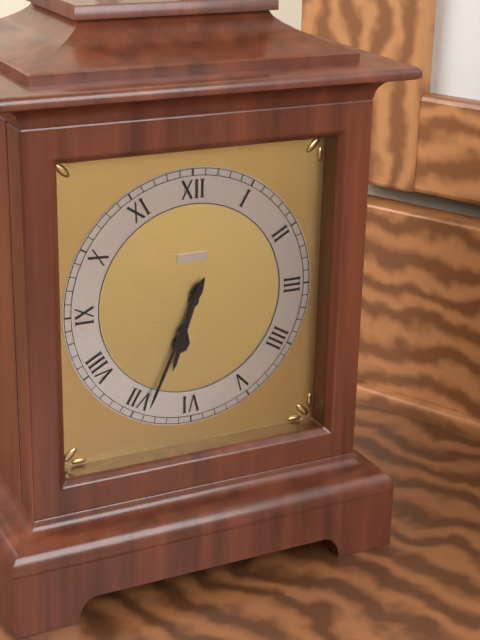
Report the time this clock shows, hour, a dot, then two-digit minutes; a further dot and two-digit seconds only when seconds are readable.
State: 6.34
